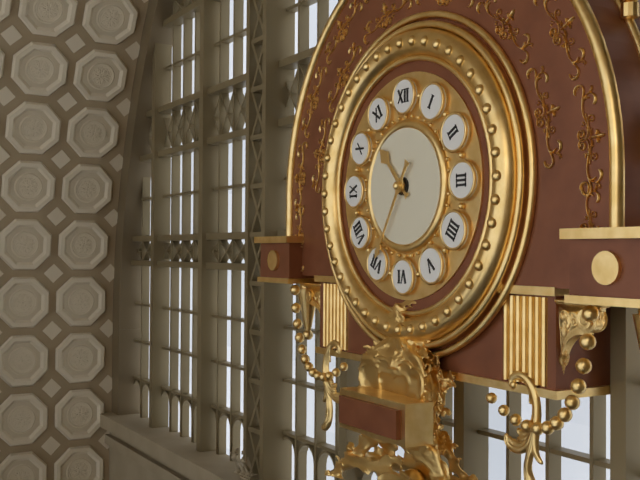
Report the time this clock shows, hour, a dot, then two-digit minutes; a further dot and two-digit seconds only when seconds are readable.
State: 10.35
